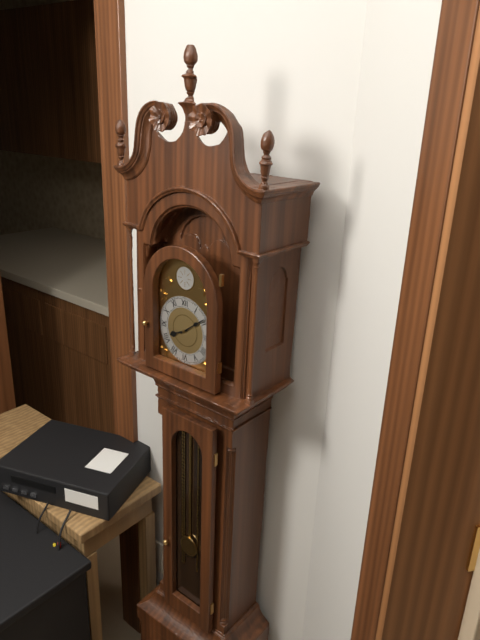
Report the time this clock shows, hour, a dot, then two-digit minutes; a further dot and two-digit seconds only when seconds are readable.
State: 8.09
